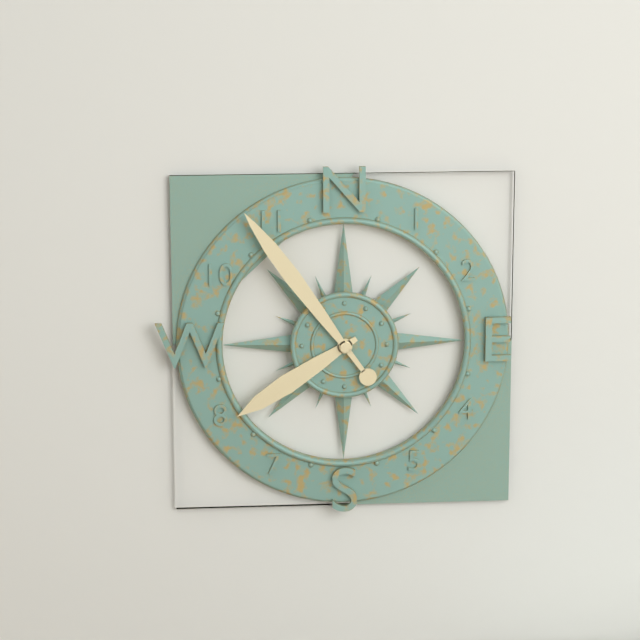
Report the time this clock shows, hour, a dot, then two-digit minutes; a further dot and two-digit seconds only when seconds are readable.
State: 7.54
